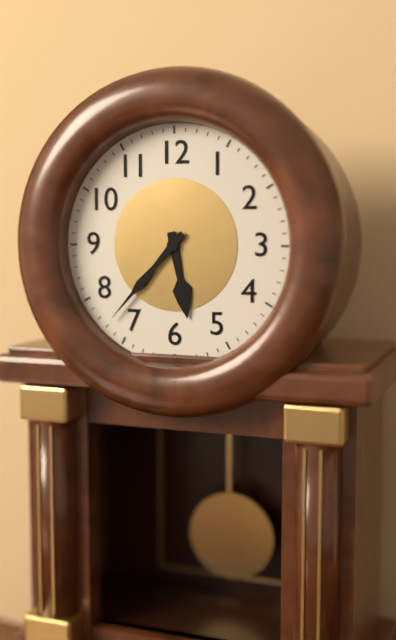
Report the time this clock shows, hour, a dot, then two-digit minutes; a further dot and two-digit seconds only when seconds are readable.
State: 5.37
